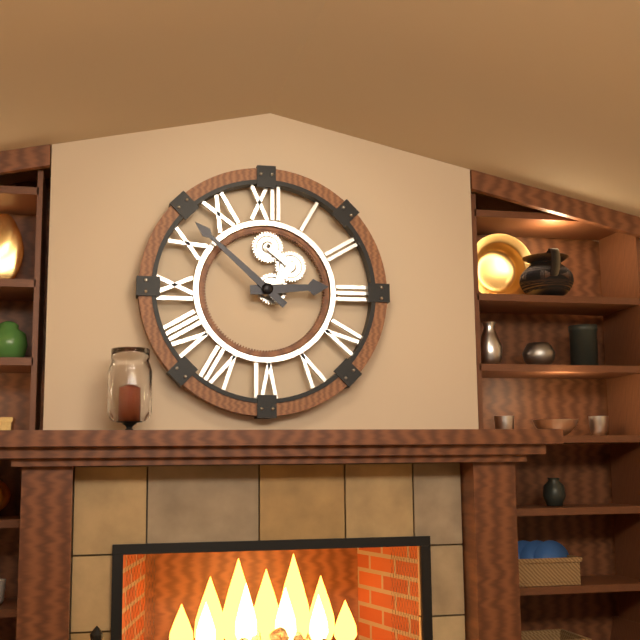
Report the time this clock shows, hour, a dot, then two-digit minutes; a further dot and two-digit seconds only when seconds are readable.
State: 2.52
